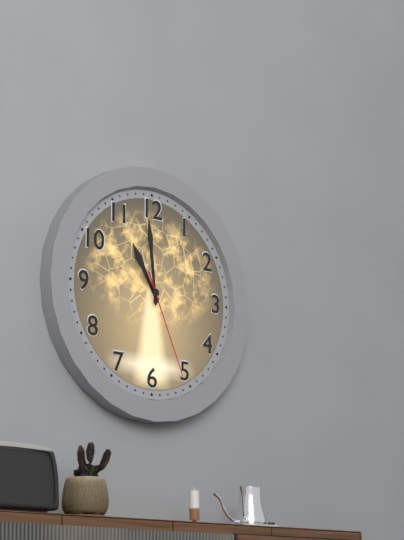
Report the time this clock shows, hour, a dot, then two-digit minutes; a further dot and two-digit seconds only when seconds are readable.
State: 10.59.26
